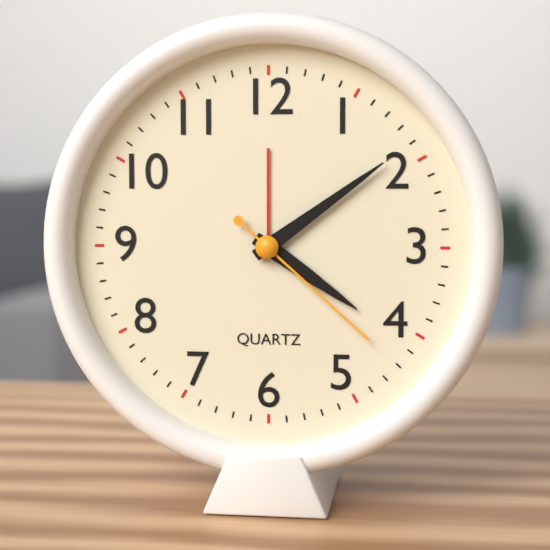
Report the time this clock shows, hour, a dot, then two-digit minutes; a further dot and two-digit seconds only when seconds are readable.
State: 4.09.22
